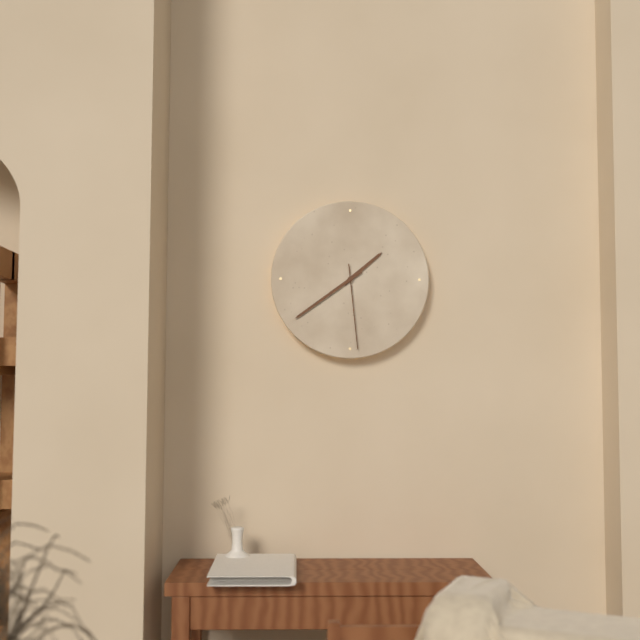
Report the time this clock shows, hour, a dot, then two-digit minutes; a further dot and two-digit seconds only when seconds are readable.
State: 1.39.29
